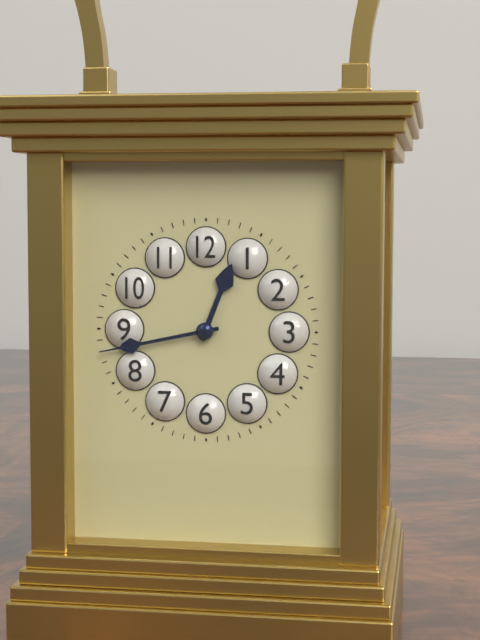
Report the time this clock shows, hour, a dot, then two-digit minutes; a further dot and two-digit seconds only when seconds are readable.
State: 12.43
